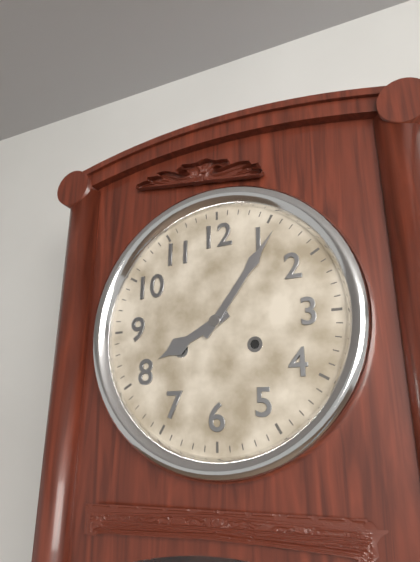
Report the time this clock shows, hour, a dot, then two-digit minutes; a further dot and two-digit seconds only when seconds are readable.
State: 8.06
